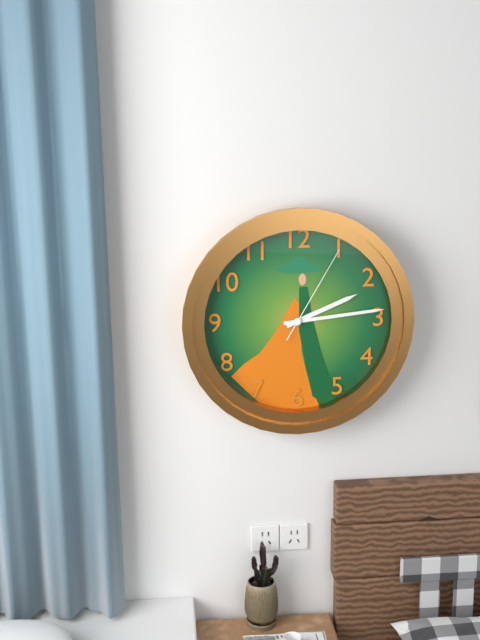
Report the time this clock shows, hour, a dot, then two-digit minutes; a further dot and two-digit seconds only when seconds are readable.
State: 2.14.05
